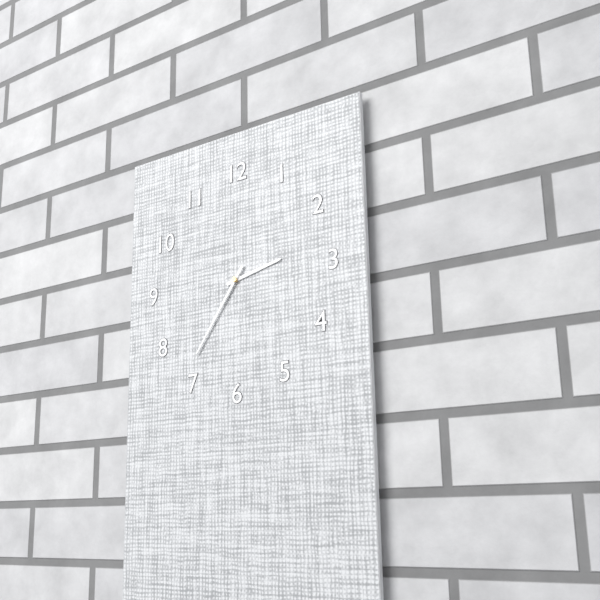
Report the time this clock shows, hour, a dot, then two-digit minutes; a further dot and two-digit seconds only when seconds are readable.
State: 2.36
